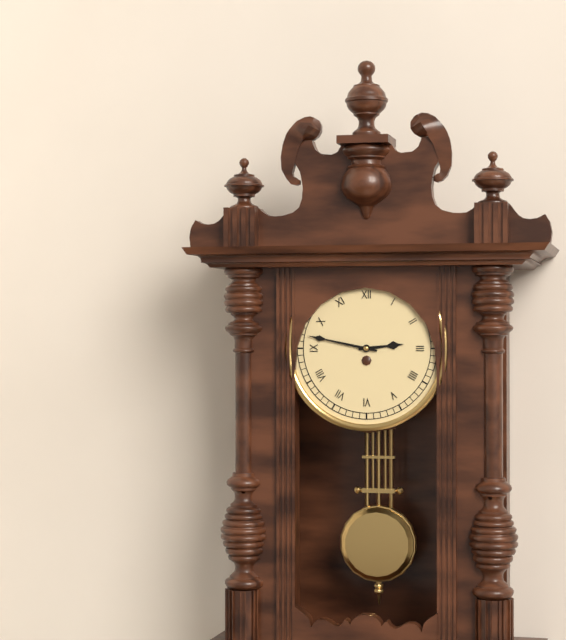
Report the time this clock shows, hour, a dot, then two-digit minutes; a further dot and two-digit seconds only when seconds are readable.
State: 2.47
